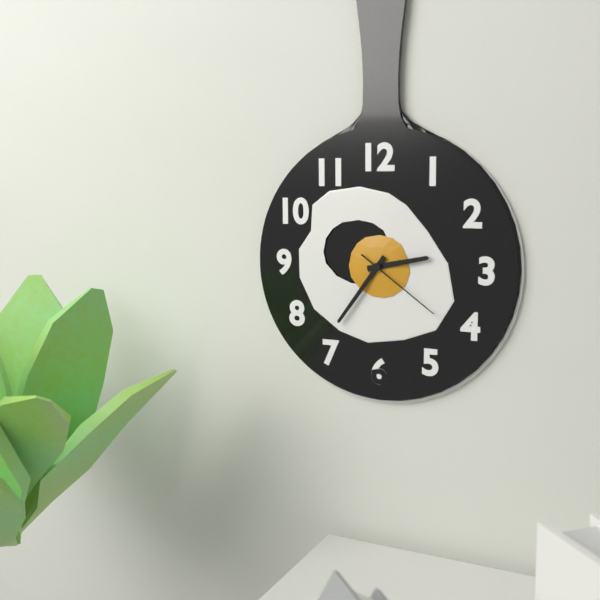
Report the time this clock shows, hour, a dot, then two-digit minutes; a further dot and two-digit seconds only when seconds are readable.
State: 2.36.21
